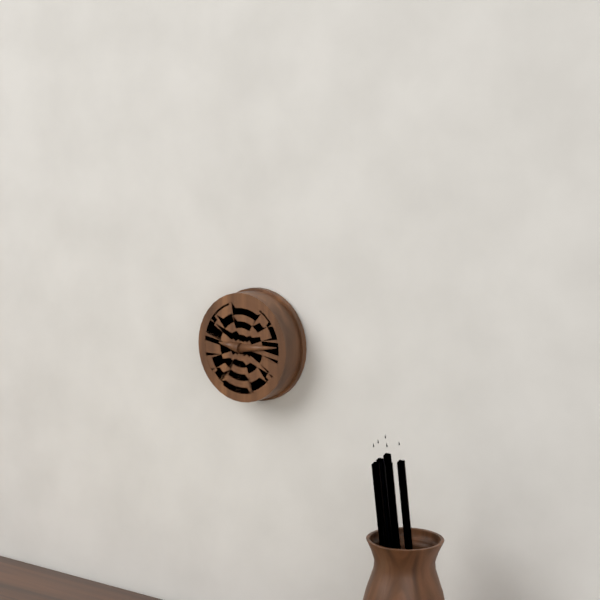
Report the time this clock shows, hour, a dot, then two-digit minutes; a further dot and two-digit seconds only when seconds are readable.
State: 9.14
